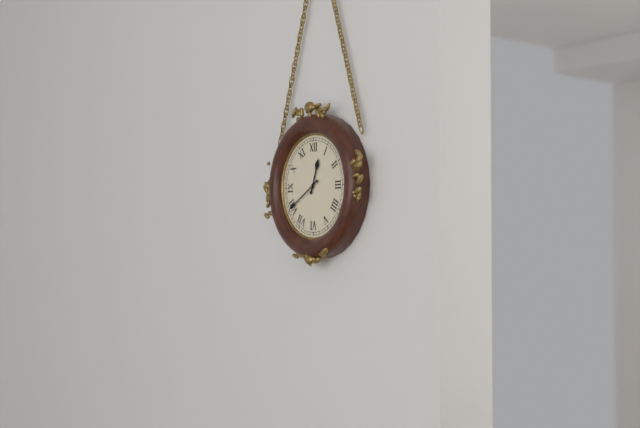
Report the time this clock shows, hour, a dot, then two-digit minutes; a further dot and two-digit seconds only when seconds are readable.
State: 12.40
